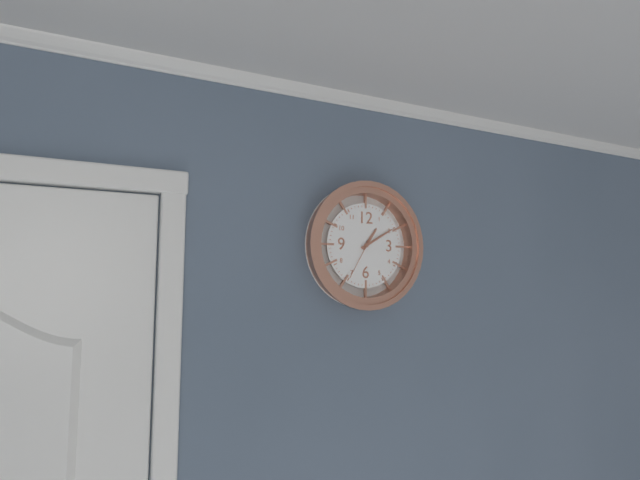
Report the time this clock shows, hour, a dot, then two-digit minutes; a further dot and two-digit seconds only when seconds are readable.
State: 1.10
